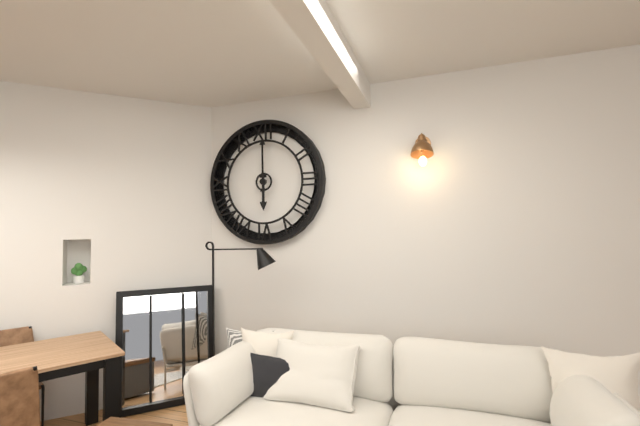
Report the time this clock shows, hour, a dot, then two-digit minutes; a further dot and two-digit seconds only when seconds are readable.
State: 6.00
